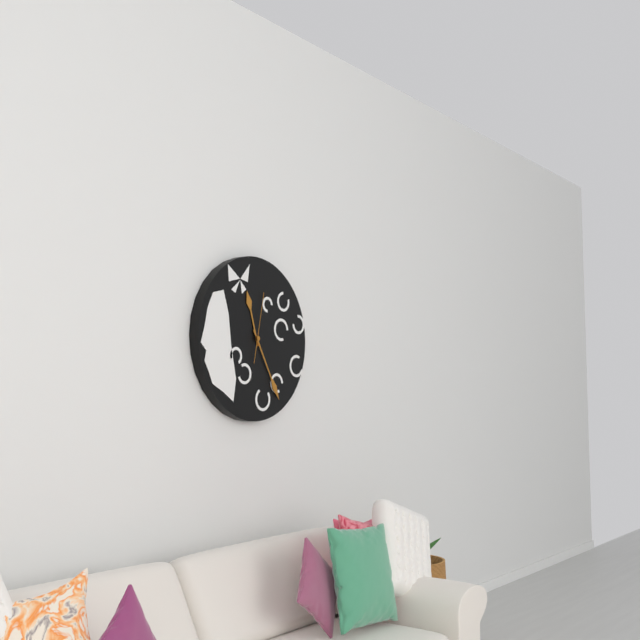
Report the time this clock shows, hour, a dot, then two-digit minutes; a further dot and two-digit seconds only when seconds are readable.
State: 11.25.02
